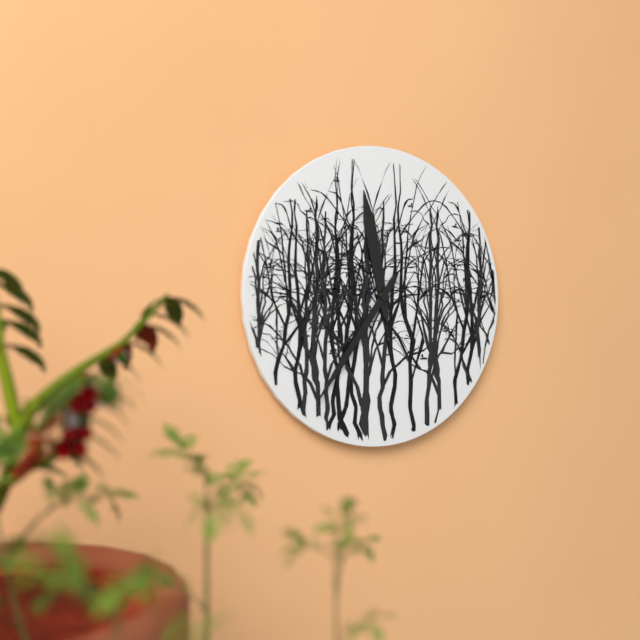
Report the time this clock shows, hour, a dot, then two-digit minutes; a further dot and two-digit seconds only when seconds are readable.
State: 11.36
